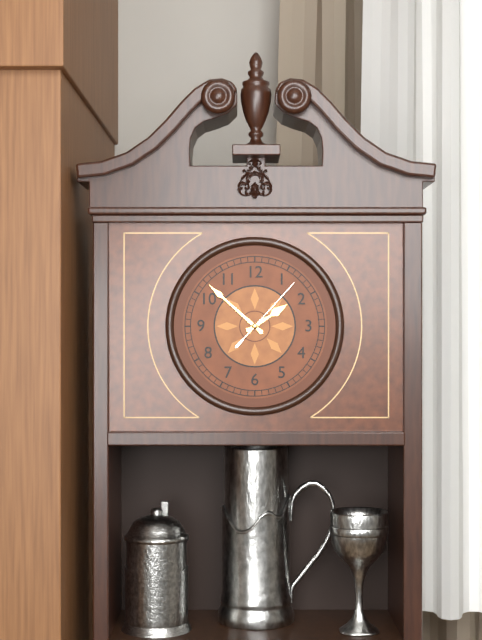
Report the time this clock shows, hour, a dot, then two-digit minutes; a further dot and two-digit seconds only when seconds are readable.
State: 1.52.07
